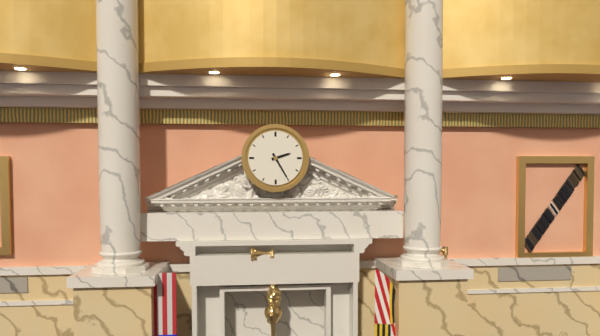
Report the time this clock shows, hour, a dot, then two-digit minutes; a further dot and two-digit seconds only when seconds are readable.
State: 2.25
